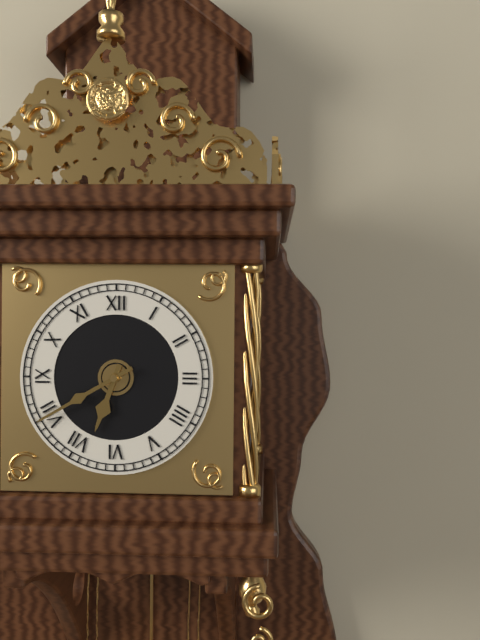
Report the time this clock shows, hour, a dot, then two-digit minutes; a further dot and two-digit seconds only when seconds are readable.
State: 6.40
